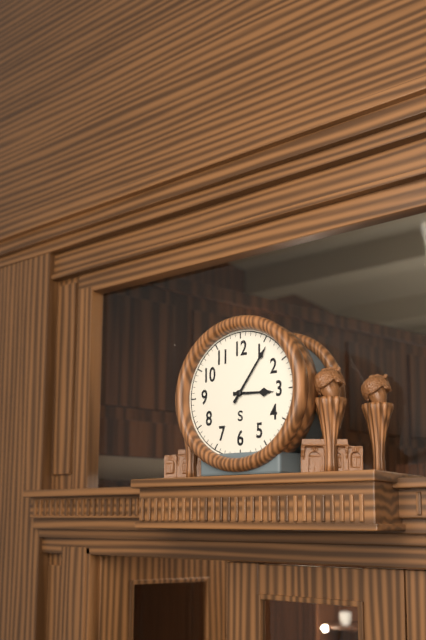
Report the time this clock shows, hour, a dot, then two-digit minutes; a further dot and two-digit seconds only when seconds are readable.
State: 3.06
